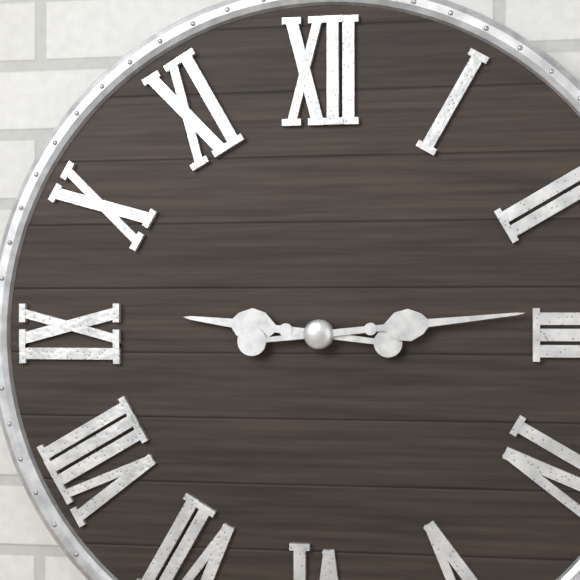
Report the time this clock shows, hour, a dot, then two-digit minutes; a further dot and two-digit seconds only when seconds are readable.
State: 9.14
